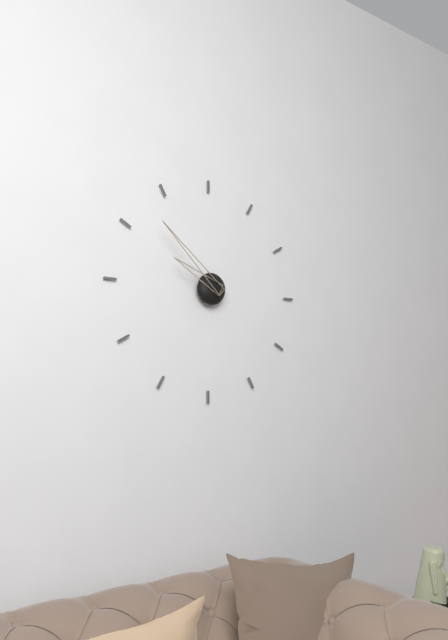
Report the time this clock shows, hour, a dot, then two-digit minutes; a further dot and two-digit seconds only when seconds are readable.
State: 9.52
